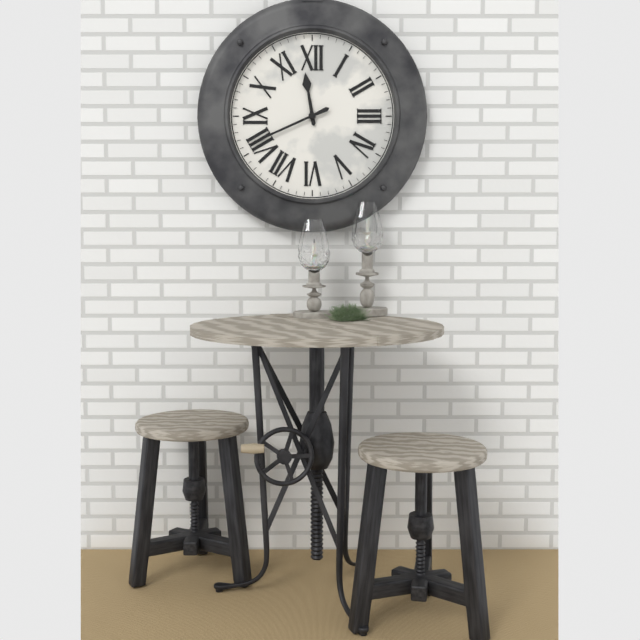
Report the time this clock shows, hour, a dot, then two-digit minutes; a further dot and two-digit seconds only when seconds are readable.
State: 11.41
